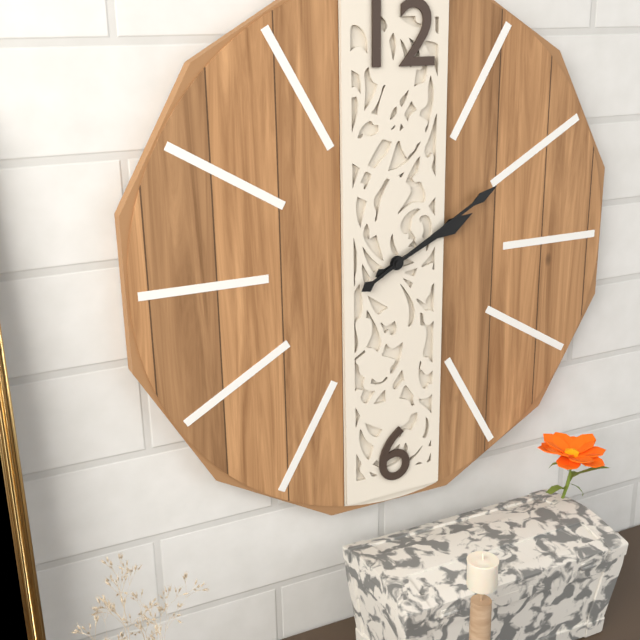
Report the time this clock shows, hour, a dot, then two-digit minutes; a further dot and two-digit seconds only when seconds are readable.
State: 2.10
